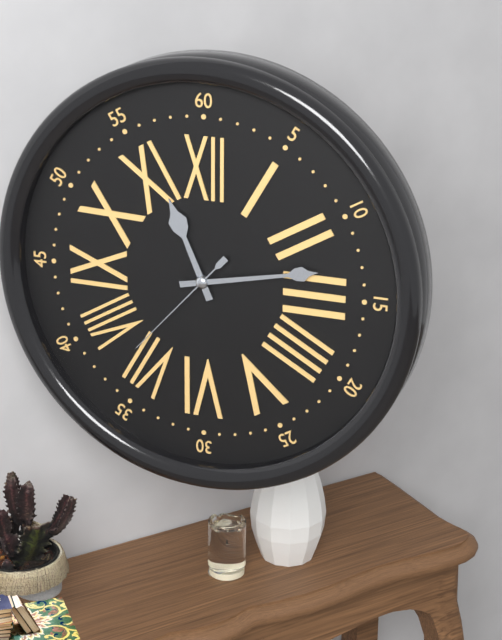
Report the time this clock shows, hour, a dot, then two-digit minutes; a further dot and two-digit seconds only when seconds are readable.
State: 11.13.37
